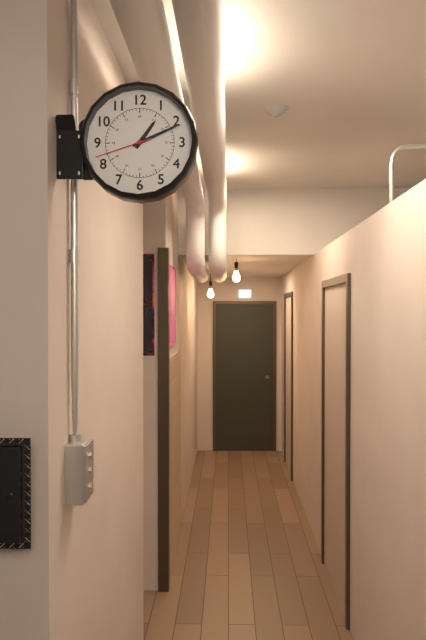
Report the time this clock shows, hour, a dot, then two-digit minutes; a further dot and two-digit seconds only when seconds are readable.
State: 1.11.42
